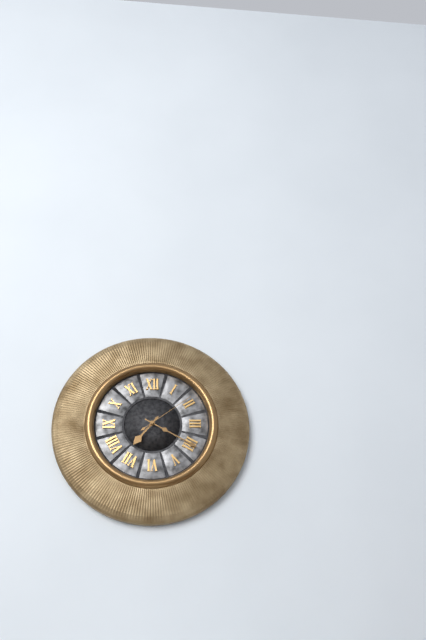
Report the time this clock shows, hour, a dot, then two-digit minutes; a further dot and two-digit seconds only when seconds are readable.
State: 7.20.09
